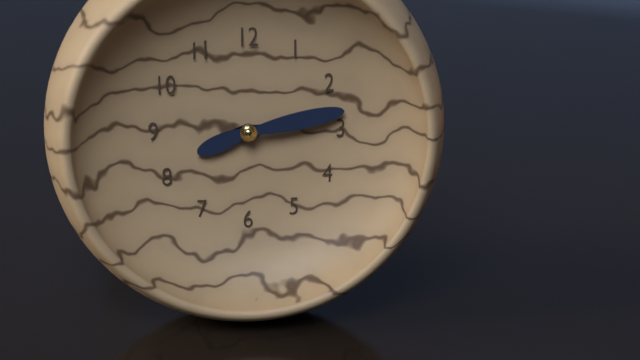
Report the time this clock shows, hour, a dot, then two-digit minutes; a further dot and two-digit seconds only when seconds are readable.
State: 8.13
